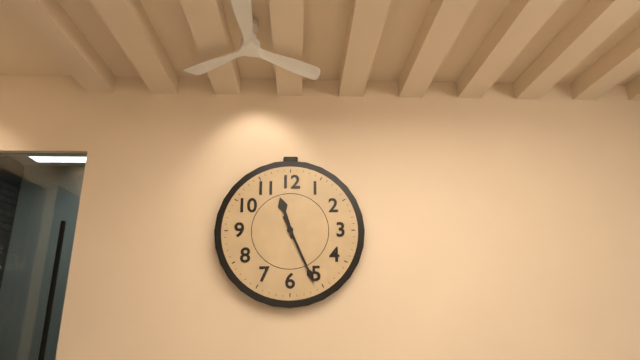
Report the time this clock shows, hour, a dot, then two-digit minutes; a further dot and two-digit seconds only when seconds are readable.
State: 11.26
